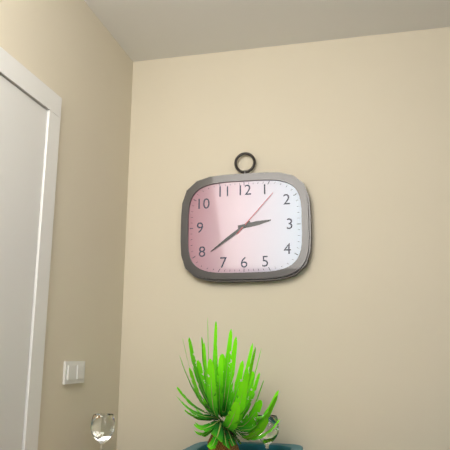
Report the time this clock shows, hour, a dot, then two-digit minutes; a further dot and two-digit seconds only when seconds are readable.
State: 2.39.07
